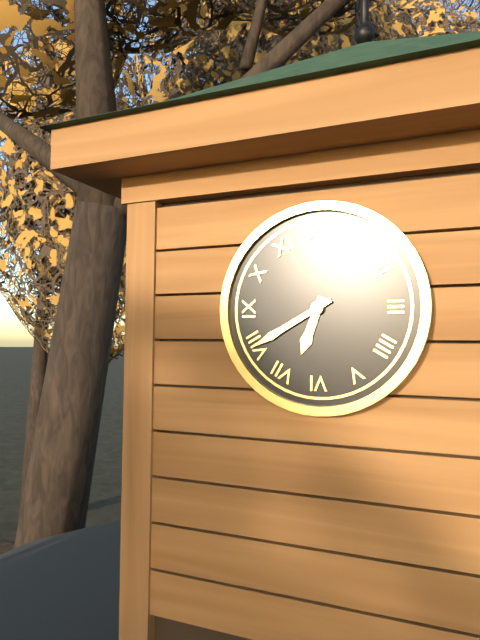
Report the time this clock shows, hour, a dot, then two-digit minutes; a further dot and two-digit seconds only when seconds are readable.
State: 6.40
